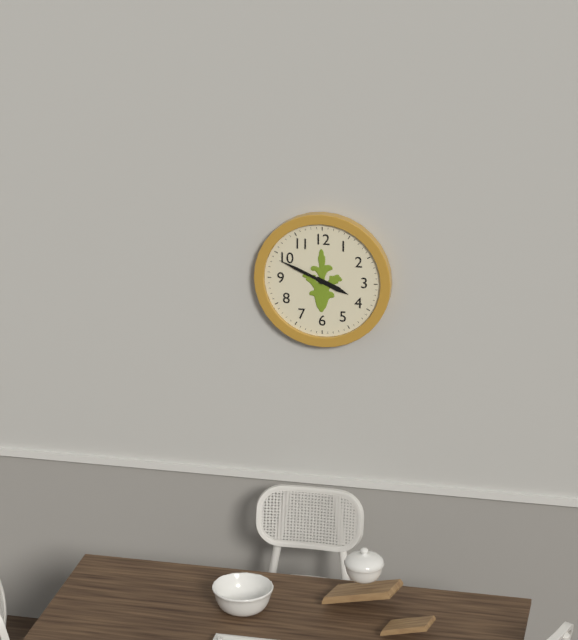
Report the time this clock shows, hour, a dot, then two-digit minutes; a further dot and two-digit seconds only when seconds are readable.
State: 3.49
